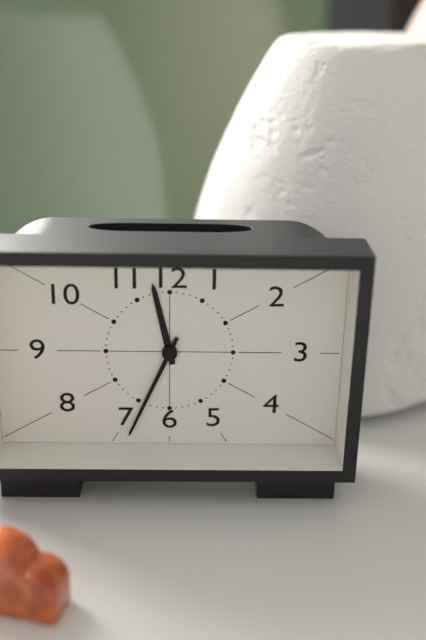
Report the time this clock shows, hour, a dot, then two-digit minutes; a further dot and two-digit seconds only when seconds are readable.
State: 11.34
